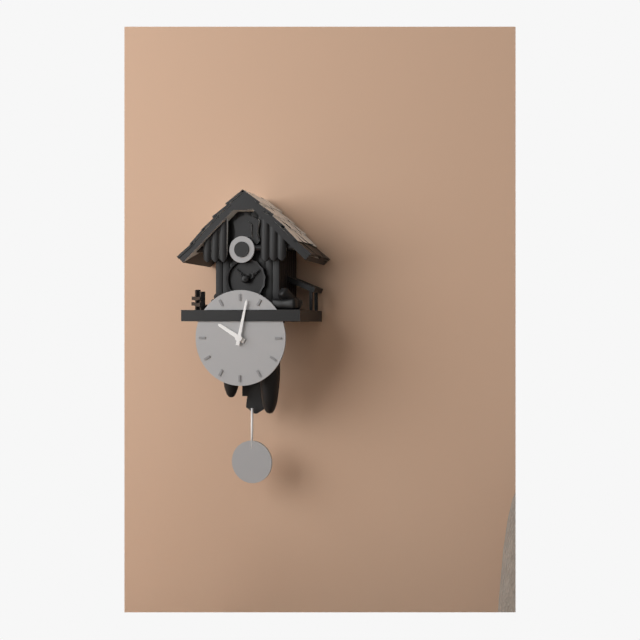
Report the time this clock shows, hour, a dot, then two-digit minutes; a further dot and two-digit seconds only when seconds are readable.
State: 10.02
